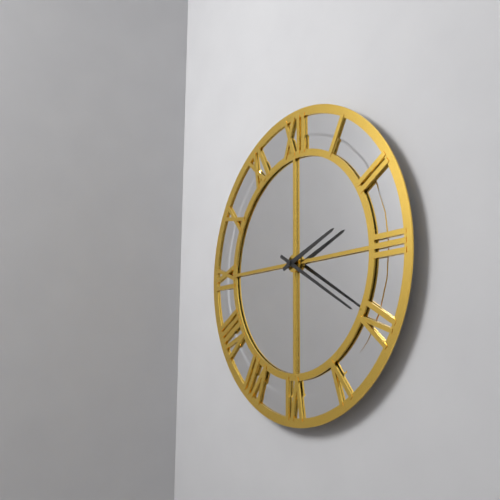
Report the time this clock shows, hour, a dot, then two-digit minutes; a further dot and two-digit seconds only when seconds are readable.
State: 2.20
